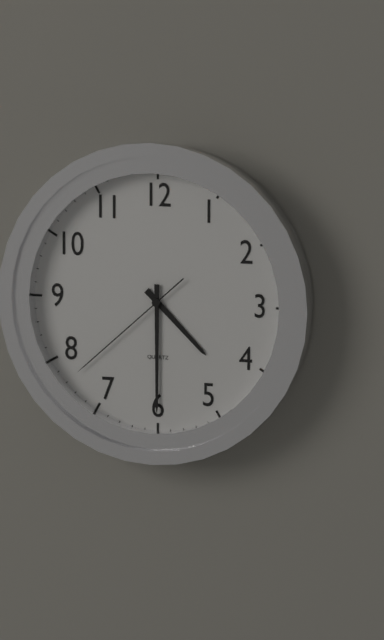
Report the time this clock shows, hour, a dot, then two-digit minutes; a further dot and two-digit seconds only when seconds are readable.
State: 4.30.38
